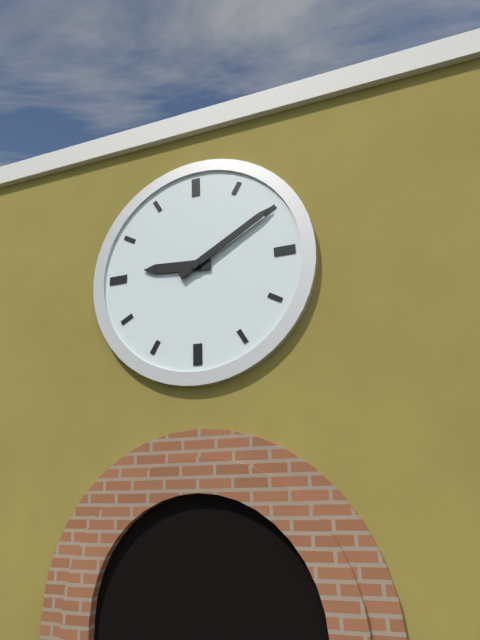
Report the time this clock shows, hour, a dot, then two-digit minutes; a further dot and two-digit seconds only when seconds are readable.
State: 9.10
